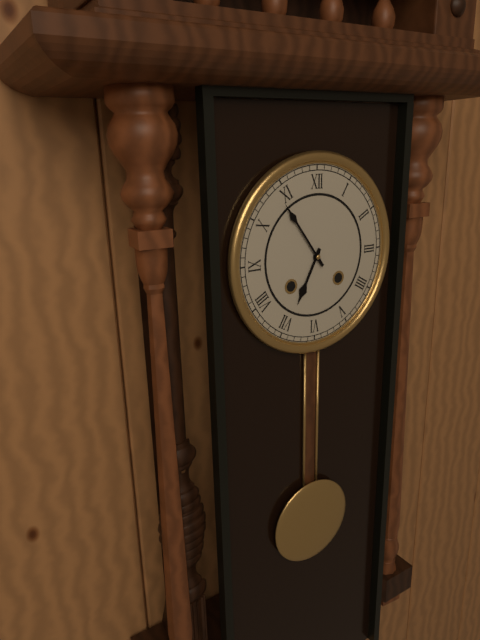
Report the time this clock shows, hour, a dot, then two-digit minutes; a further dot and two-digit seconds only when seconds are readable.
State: 6.54
